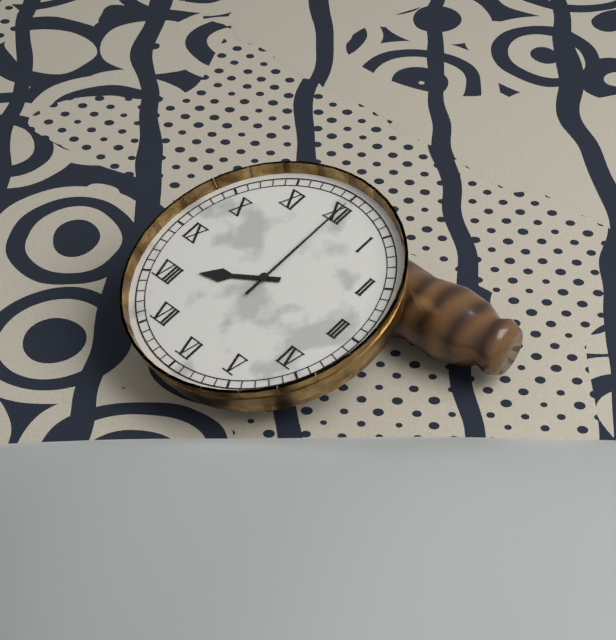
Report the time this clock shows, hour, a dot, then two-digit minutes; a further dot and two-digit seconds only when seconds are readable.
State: 8.00
